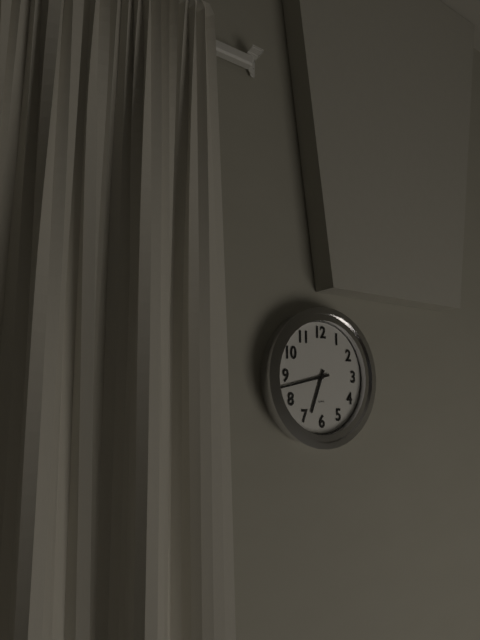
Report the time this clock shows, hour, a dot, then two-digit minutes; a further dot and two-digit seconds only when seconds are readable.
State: 6.43
